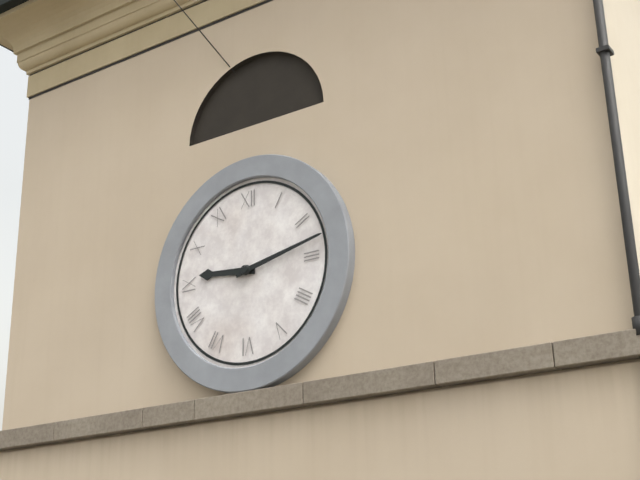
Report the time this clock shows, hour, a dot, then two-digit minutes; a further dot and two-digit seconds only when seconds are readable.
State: 9.13
